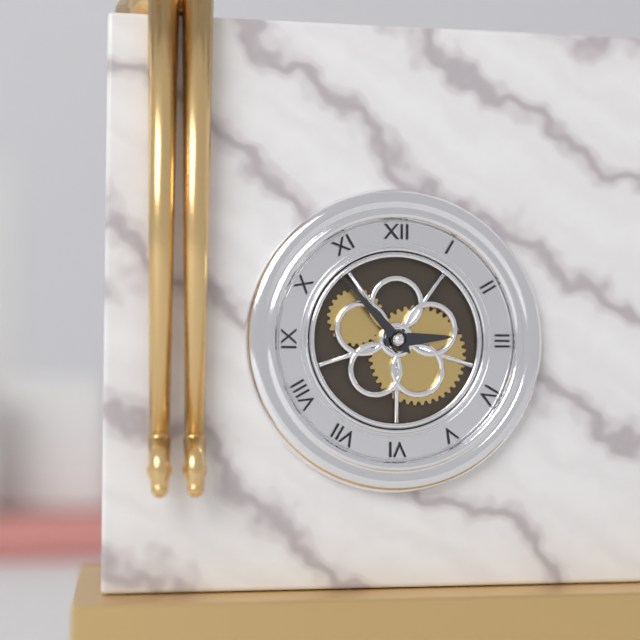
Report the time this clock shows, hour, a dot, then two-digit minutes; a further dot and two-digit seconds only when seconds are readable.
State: 2.53
